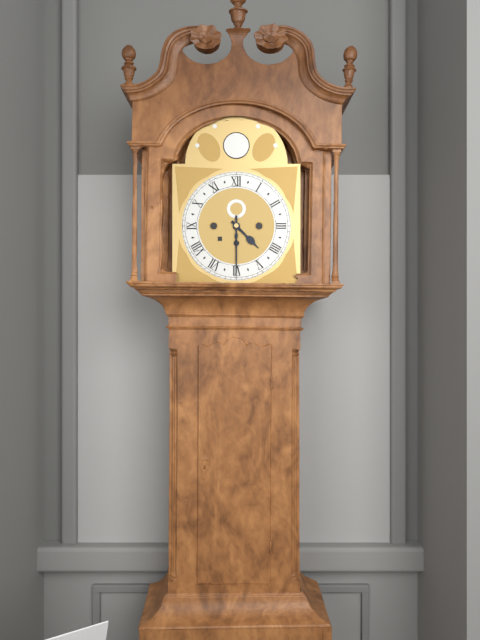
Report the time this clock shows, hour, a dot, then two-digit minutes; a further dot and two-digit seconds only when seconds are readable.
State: 4.30
